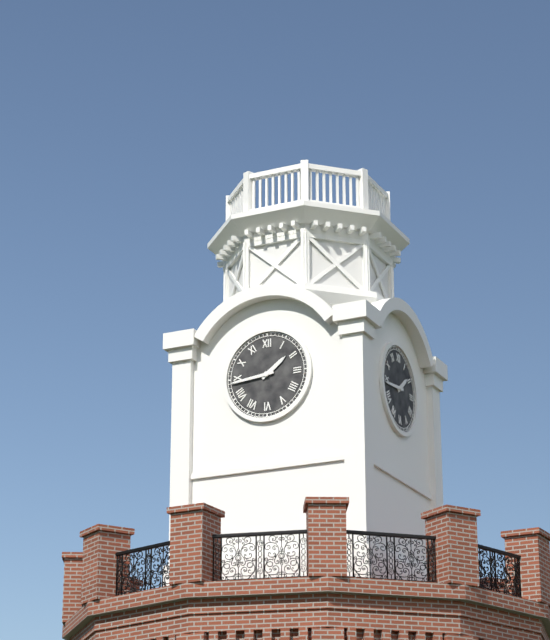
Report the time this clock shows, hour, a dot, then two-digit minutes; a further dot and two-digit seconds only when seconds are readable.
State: 1.44
